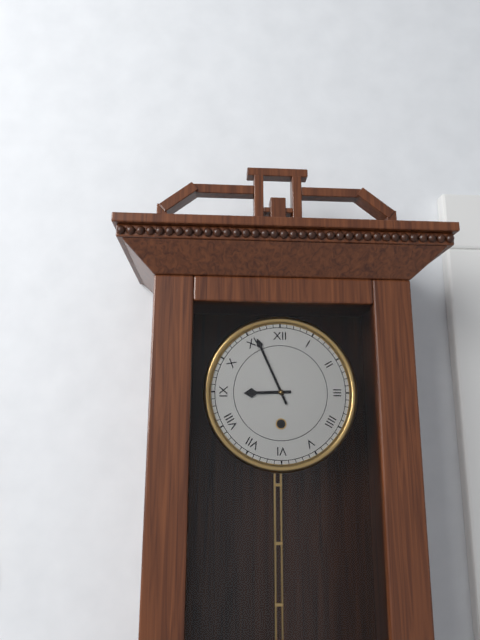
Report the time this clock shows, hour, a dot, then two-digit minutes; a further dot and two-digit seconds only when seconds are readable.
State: 8.56
